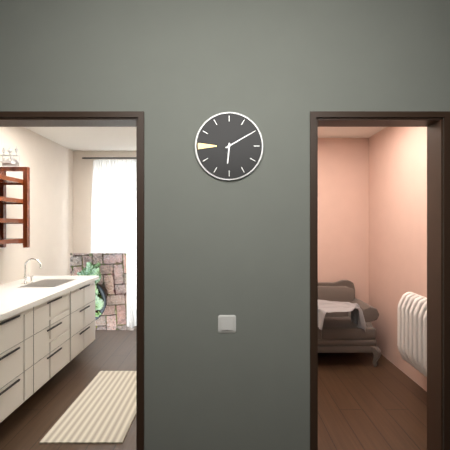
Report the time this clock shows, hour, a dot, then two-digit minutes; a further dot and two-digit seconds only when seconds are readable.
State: 6.10
